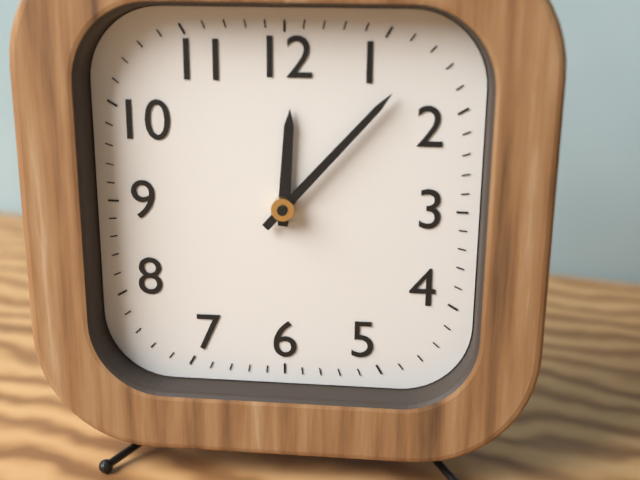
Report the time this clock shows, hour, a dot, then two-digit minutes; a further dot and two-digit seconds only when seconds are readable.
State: 12.07
